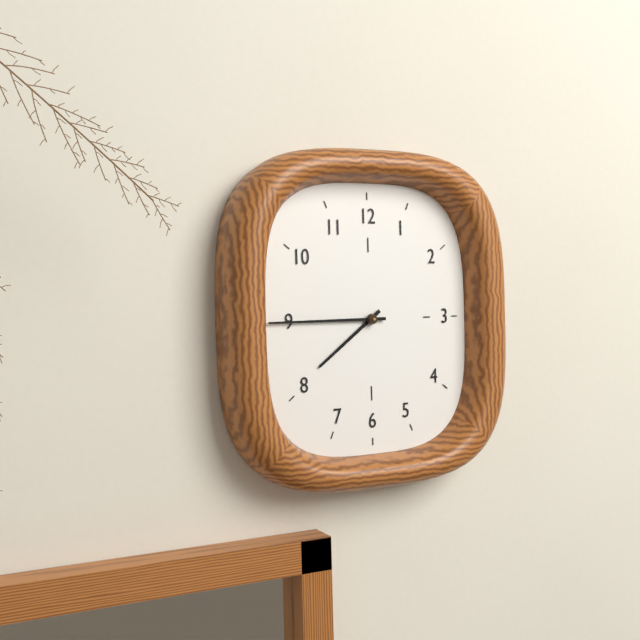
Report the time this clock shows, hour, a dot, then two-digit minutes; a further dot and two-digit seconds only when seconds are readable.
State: 7.45
